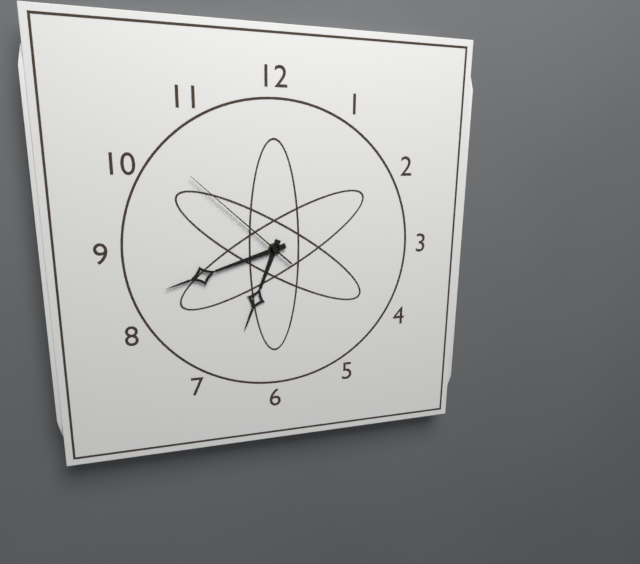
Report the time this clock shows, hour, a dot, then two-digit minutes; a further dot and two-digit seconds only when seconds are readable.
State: 6.42.52
